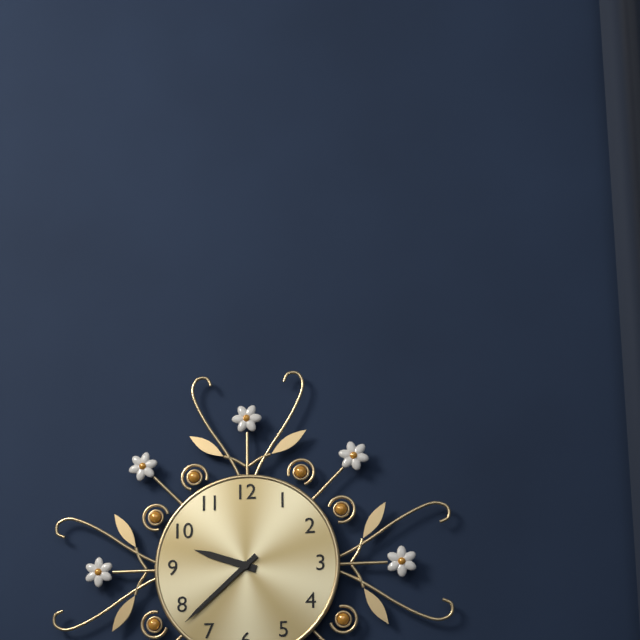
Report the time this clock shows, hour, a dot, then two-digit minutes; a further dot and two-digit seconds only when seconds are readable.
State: 9.38
